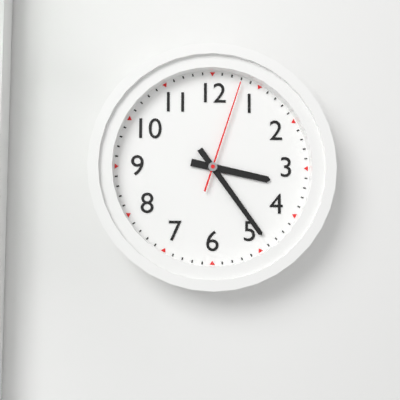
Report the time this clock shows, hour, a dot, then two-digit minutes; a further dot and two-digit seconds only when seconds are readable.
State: 3.24.03
